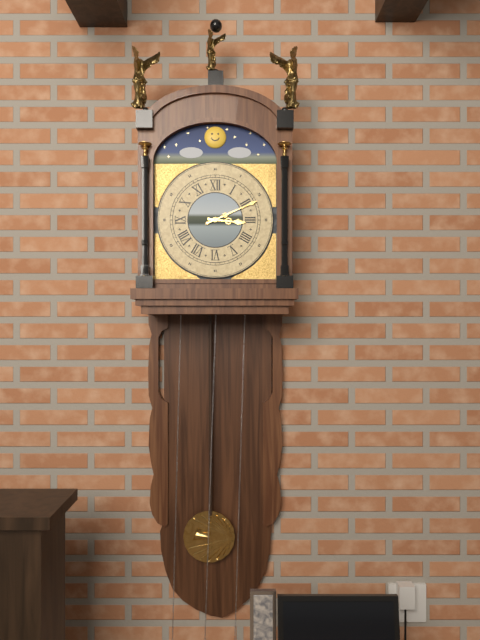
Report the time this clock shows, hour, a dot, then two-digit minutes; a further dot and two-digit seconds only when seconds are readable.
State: 3.11
